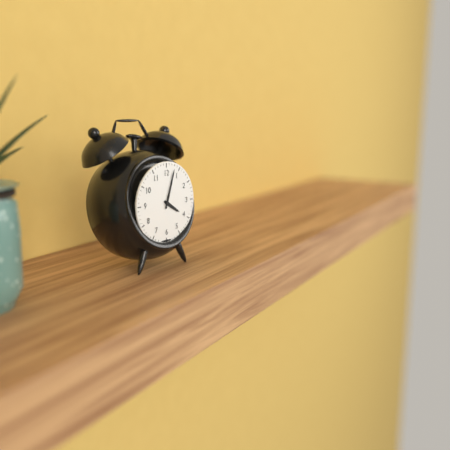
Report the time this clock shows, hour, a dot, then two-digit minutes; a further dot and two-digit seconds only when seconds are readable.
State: 4.03
